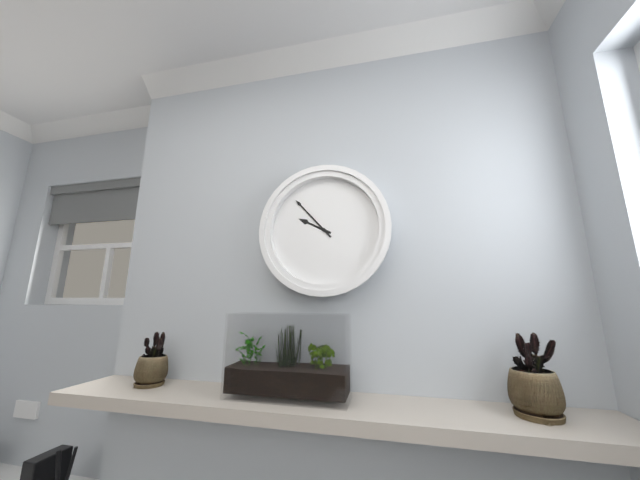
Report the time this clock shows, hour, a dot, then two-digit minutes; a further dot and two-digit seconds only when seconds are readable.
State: 9.53
